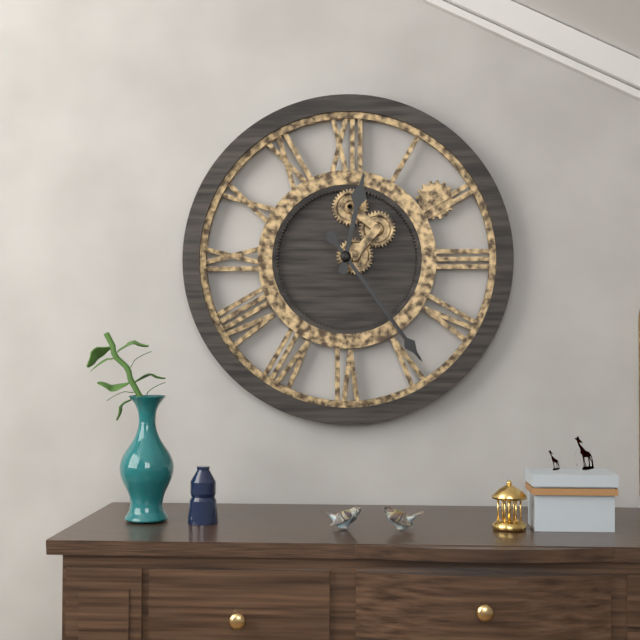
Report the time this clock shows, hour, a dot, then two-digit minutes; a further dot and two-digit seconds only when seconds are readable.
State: 12.24
